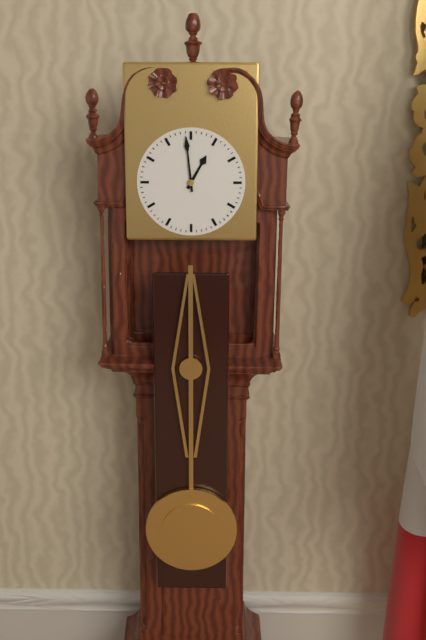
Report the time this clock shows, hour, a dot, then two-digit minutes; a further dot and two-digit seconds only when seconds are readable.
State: 12.59
